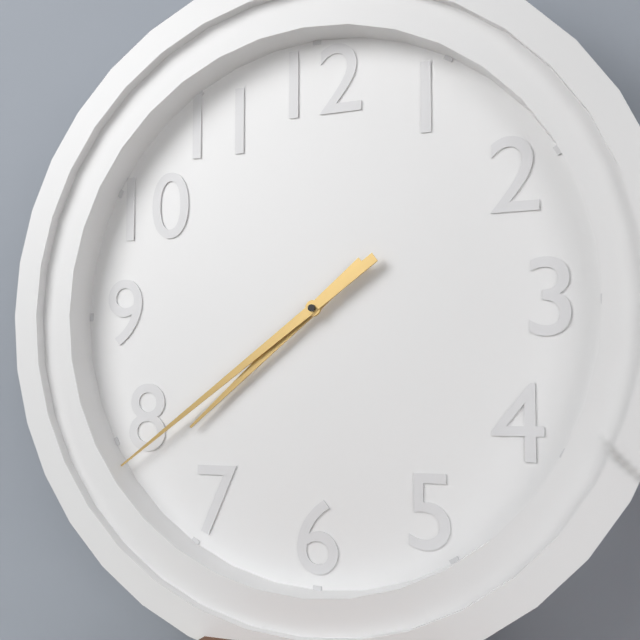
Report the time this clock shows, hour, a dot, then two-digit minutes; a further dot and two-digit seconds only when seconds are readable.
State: 7.39
